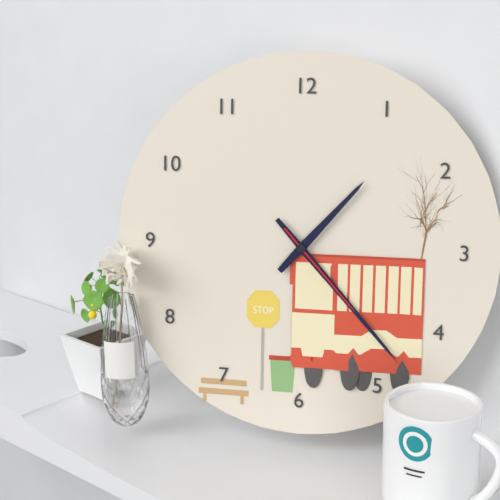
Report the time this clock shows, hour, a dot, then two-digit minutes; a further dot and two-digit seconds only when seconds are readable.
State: 1.23.23
